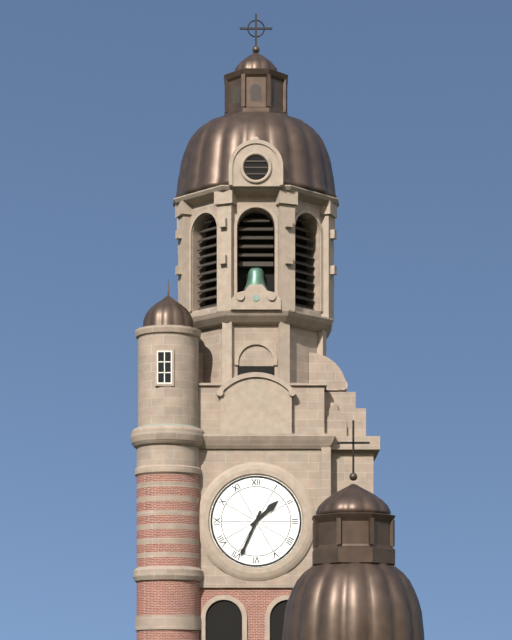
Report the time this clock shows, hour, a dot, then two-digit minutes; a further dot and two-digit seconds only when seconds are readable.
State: 1.34
